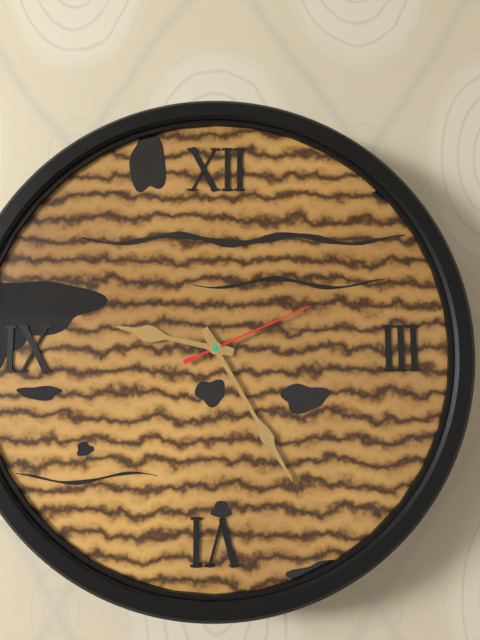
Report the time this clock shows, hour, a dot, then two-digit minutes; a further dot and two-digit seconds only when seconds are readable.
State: 9.25.11
